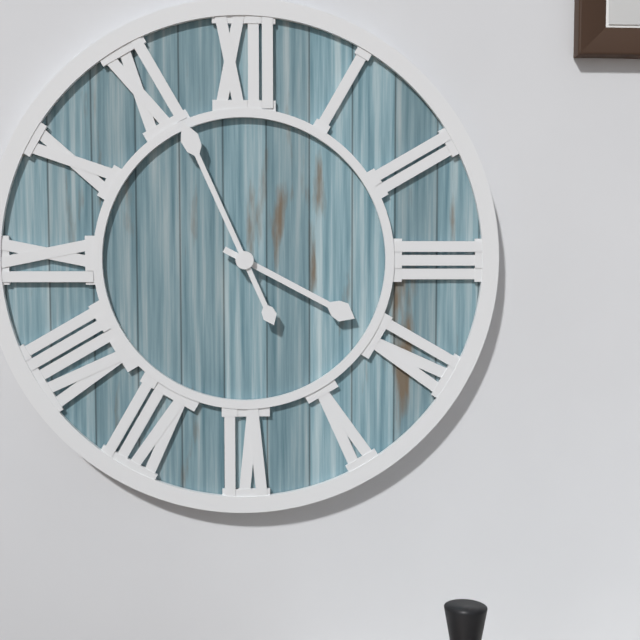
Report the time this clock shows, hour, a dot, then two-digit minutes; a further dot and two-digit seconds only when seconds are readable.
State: 3.56
